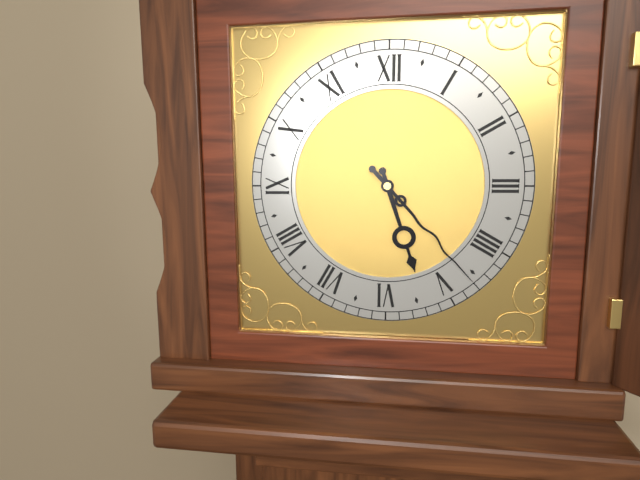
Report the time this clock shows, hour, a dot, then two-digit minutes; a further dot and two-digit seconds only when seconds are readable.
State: 5.23
